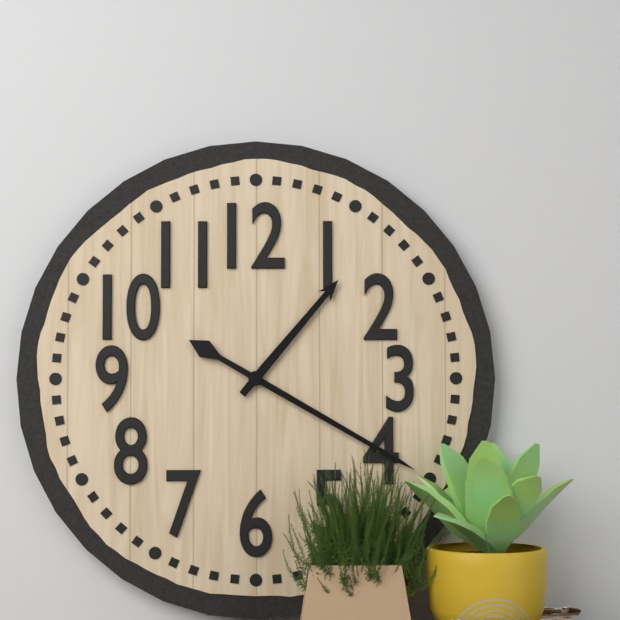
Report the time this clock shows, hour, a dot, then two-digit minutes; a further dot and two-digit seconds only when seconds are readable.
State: 1.20
